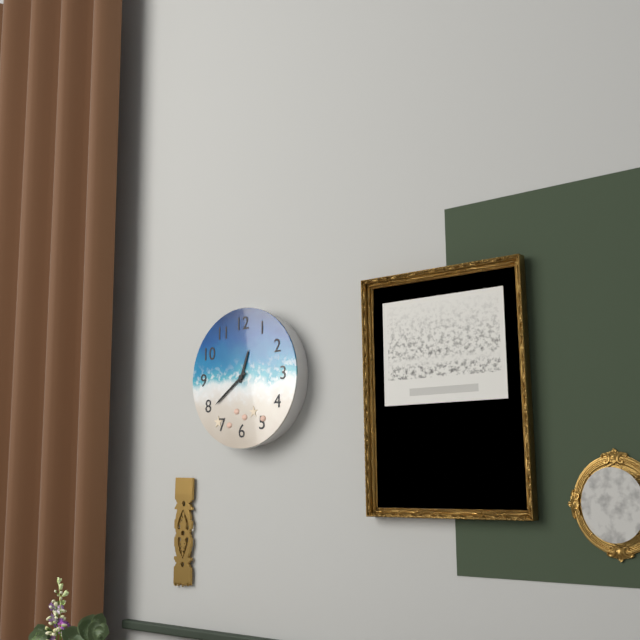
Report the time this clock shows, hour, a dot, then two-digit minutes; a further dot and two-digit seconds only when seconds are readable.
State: 12.39
